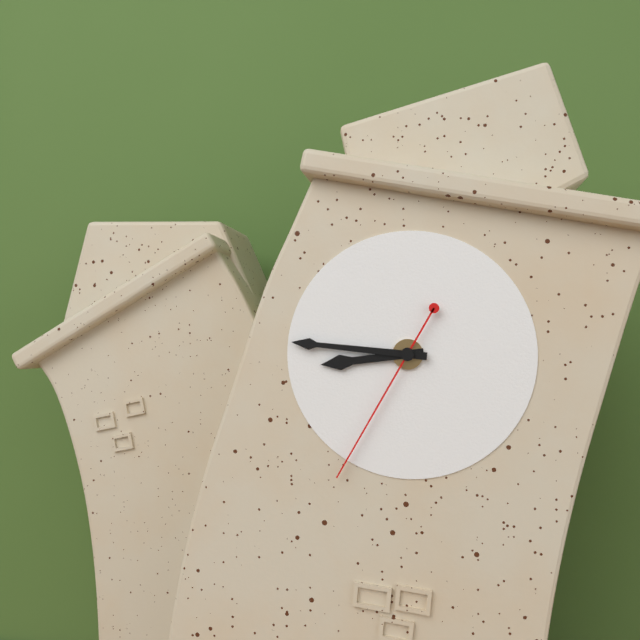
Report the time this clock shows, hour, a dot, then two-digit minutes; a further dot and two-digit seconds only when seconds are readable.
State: 8.46.35
